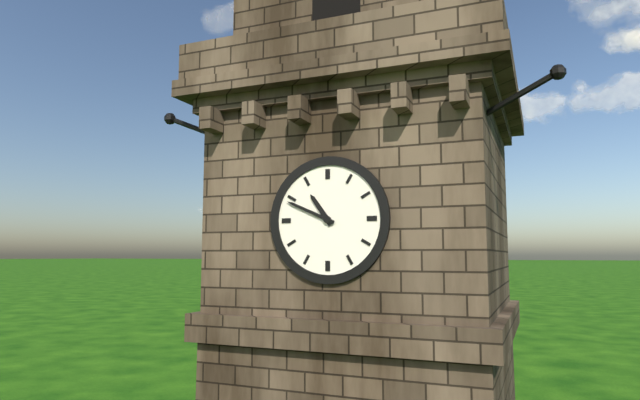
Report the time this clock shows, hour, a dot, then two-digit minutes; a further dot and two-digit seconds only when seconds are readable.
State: 10.49
